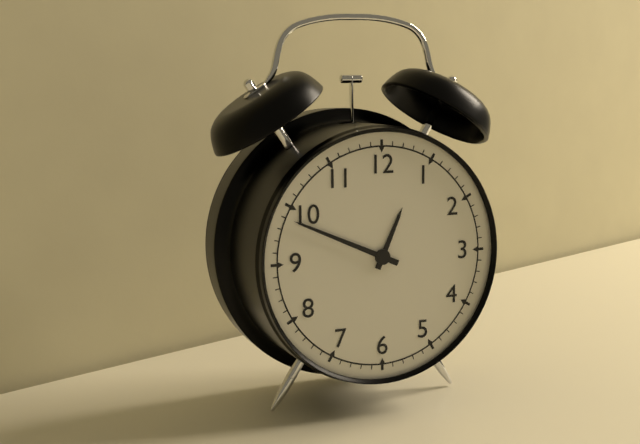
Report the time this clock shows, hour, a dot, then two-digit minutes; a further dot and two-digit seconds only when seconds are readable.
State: 12.49
